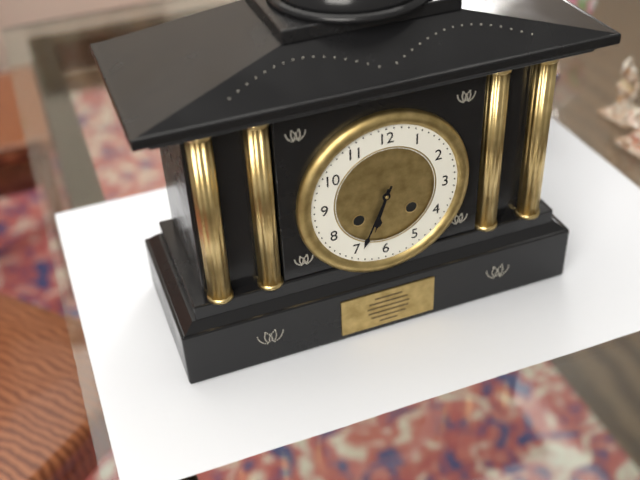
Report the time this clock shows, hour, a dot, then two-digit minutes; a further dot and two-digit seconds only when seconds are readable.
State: 6.34
